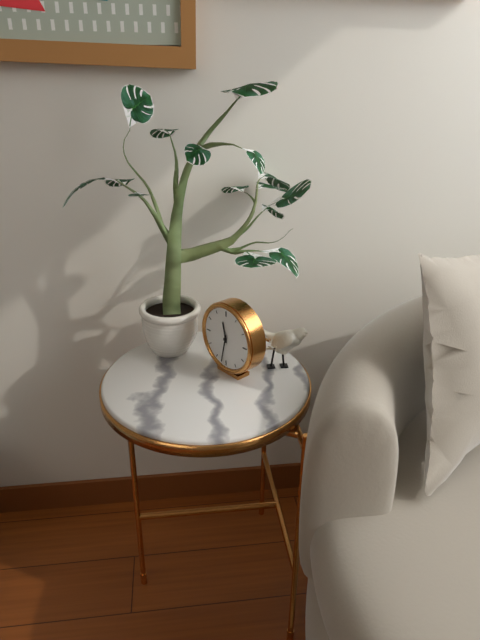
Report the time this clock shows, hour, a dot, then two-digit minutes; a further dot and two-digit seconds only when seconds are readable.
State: 11.32
